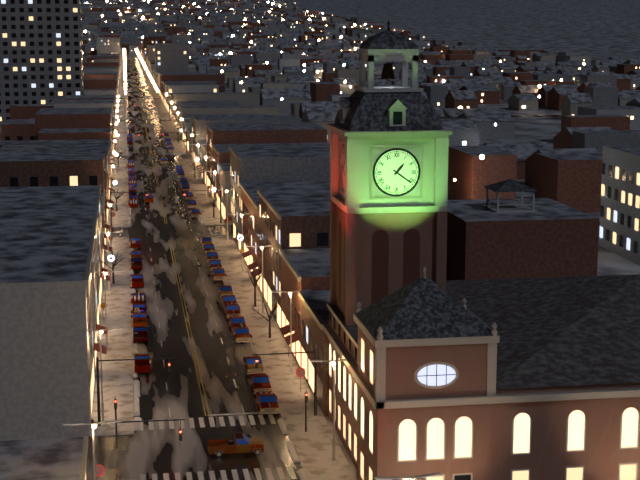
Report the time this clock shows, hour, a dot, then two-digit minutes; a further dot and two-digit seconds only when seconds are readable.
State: 1.21
